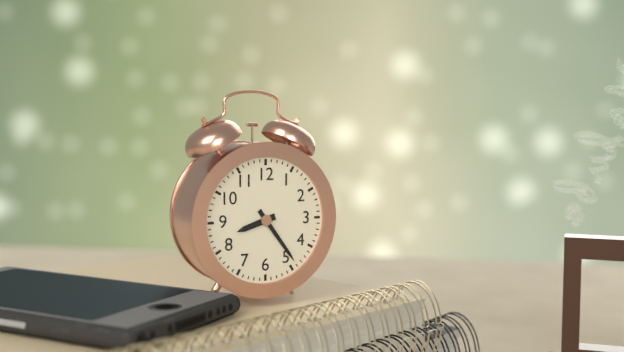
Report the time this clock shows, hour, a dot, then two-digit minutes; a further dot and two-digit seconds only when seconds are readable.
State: 8.24
